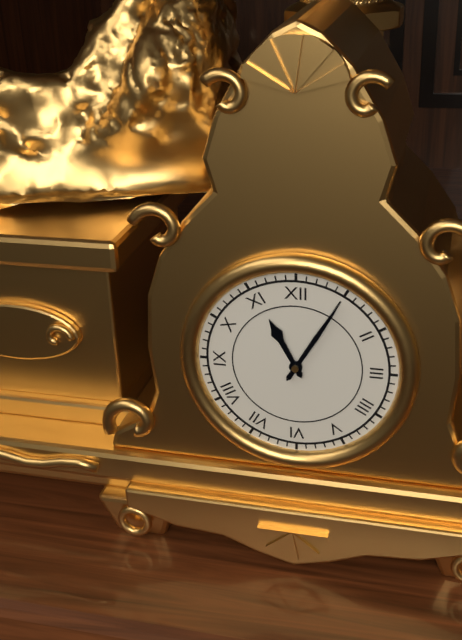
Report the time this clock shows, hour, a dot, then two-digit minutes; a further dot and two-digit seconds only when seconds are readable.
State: 11.05
